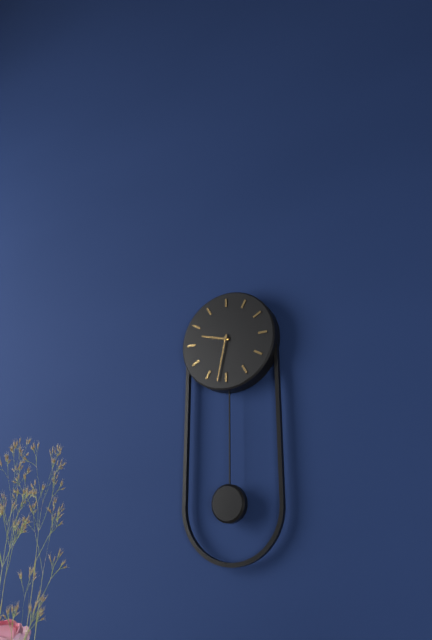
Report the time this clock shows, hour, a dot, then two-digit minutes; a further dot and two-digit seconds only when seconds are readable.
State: 9.32
